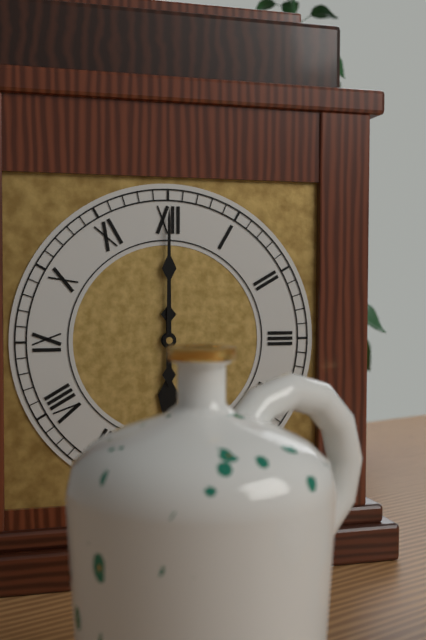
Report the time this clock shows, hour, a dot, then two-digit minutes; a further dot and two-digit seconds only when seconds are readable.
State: 6.00
